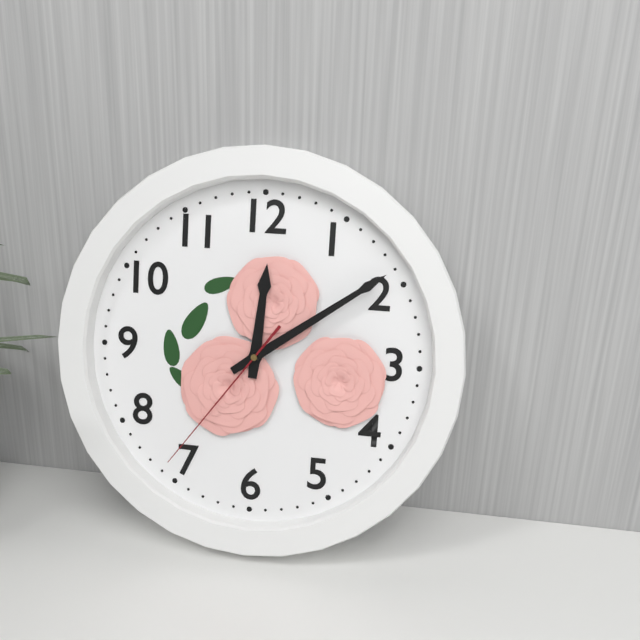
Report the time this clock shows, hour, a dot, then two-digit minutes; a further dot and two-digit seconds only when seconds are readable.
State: 12.09.36
